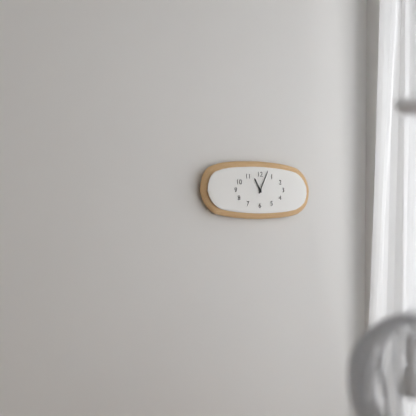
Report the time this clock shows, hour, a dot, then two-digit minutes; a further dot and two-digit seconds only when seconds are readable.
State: 11.04
